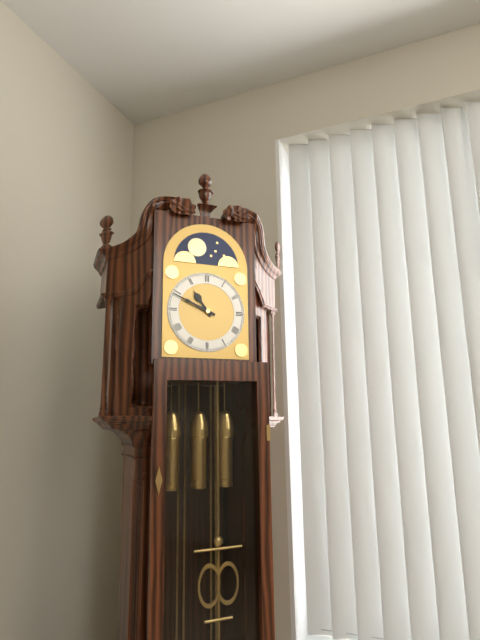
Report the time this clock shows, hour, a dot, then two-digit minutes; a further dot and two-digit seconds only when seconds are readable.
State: 10.49
